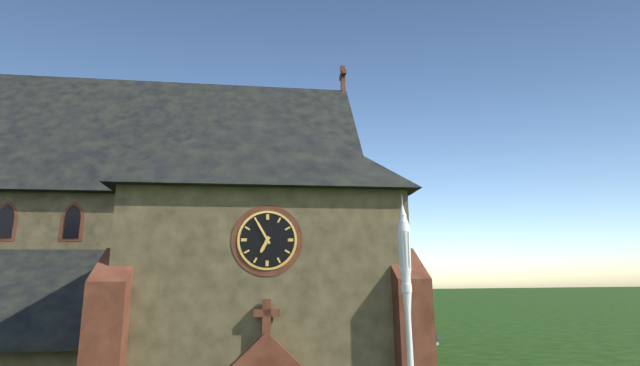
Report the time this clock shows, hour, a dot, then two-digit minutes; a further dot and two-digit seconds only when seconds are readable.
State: 6.55
